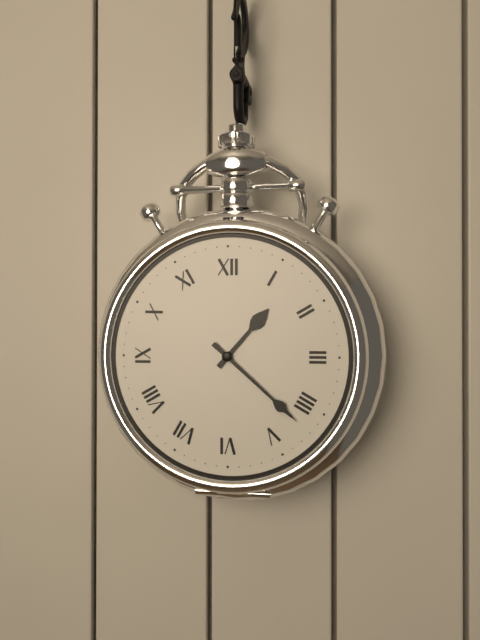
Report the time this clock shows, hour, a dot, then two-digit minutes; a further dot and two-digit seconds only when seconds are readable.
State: 1.22
